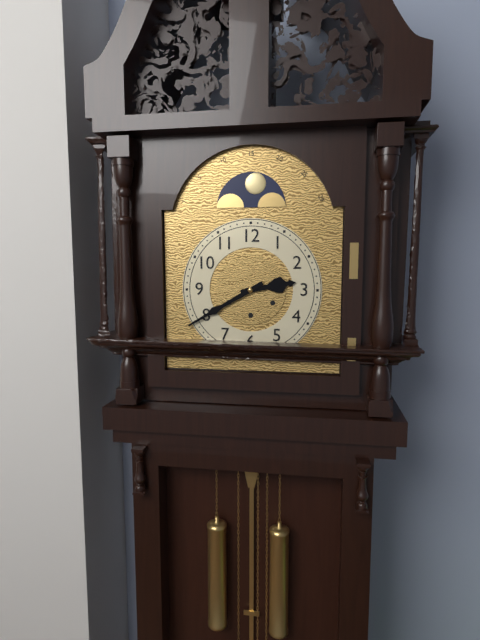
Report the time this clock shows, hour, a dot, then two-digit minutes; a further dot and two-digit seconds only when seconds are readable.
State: 2.40
